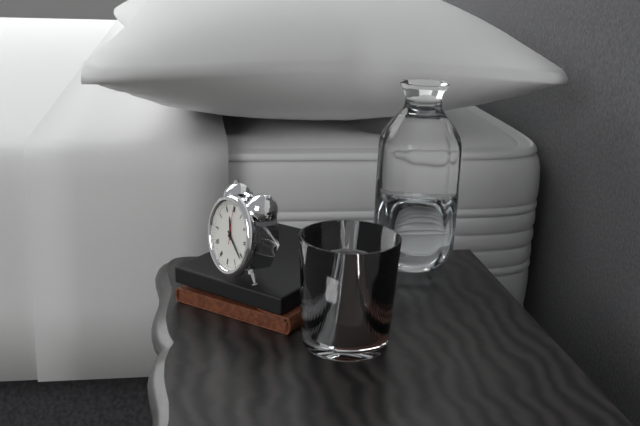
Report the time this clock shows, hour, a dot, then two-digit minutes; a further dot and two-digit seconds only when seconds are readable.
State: 11.21
